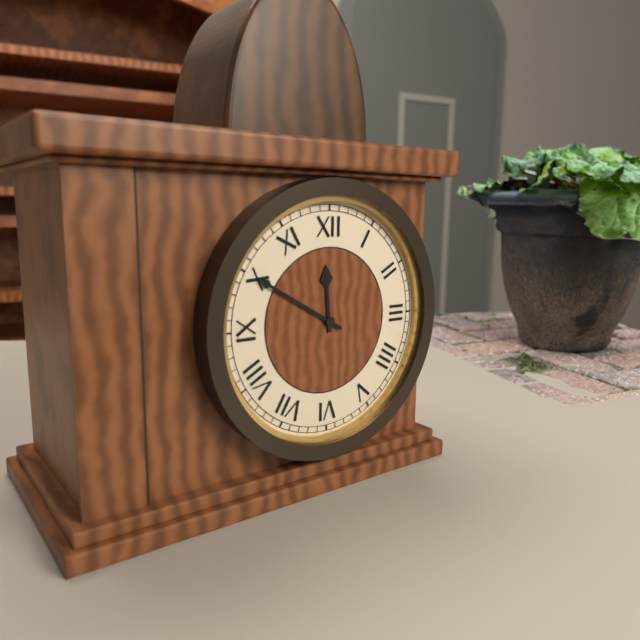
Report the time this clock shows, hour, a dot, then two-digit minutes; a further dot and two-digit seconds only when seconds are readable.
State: 11.50
